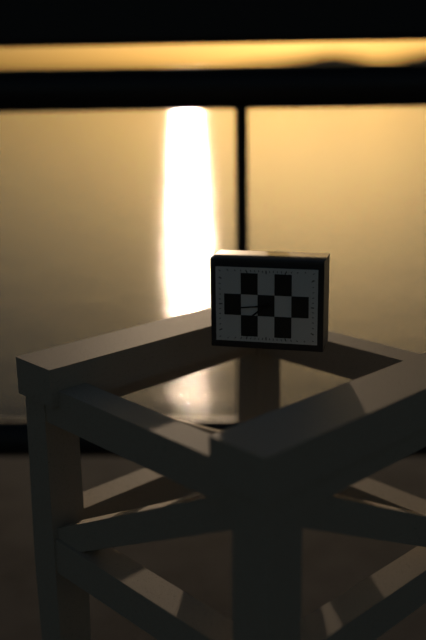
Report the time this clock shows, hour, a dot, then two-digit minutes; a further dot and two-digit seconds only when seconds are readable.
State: 7.44
